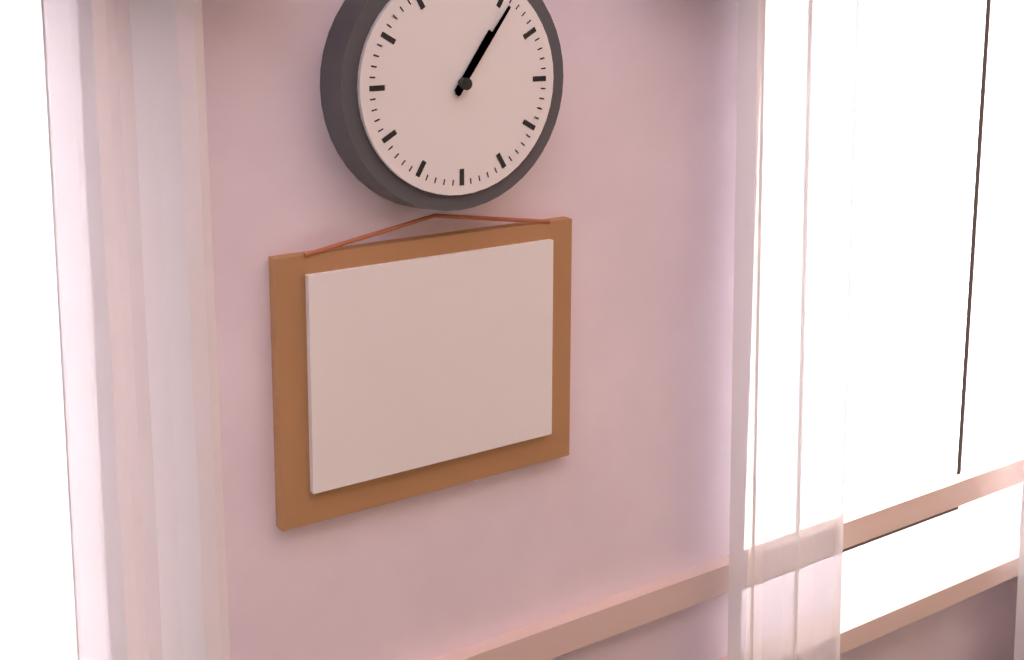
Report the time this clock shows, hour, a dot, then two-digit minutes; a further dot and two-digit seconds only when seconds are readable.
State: 1.06
